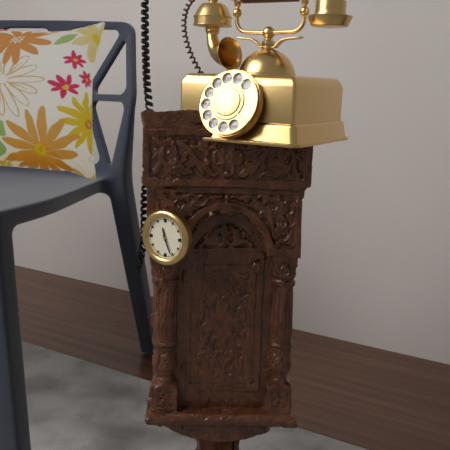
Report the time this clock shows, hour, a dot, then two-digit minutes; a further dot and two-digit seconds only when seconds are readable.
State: 11.26
